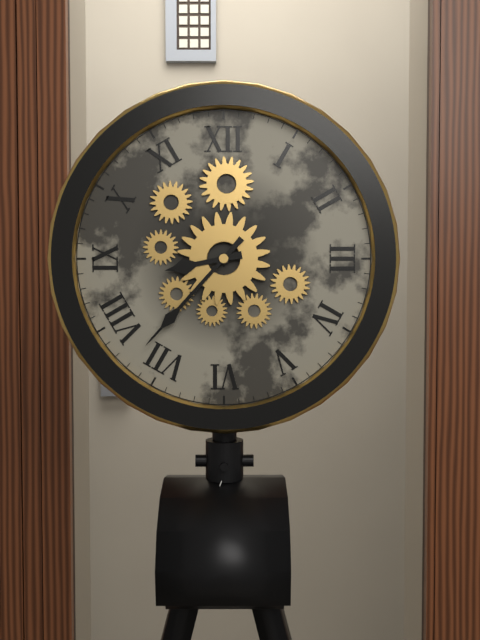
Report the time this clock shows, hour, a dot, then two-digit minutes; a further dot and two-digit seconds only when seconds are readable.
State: 8.37
